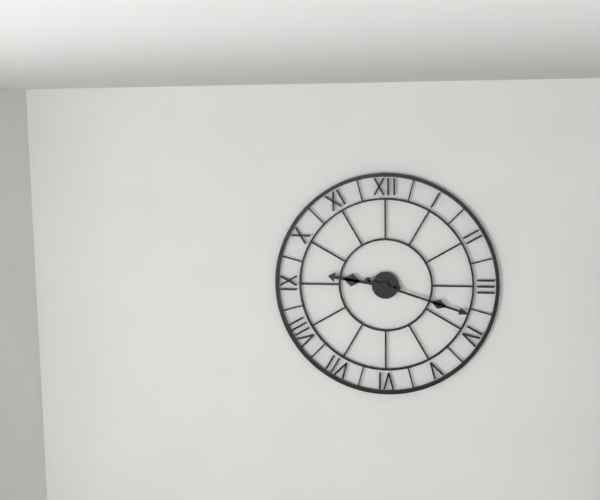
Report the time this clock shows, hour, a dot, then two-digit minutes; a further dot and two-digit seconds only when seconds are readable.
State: 9.18
